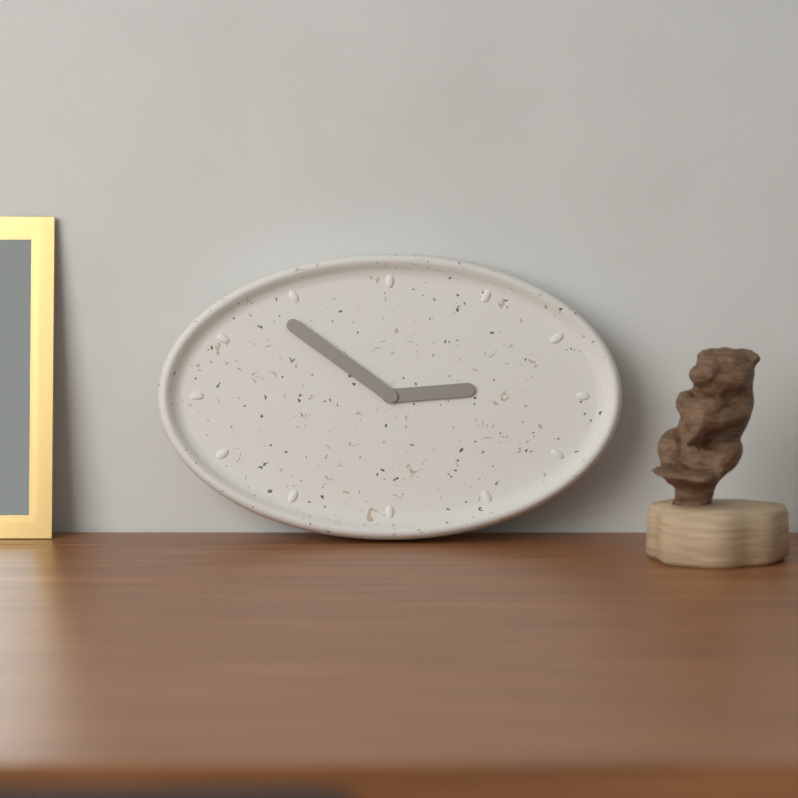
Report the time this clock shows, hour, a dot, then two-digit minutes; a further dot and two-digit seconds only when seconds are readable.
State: 2.51
